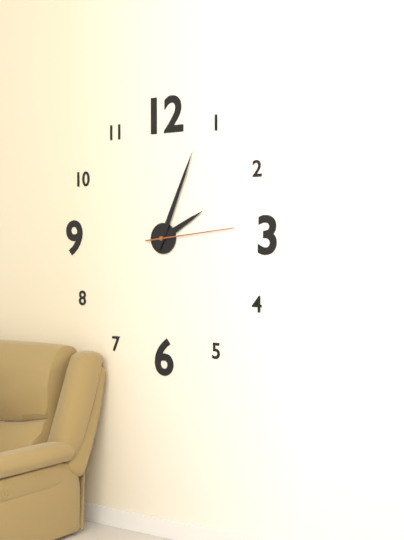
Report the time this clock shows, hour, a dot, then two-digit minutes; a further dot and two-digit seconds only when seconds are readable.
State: 2.04.14
